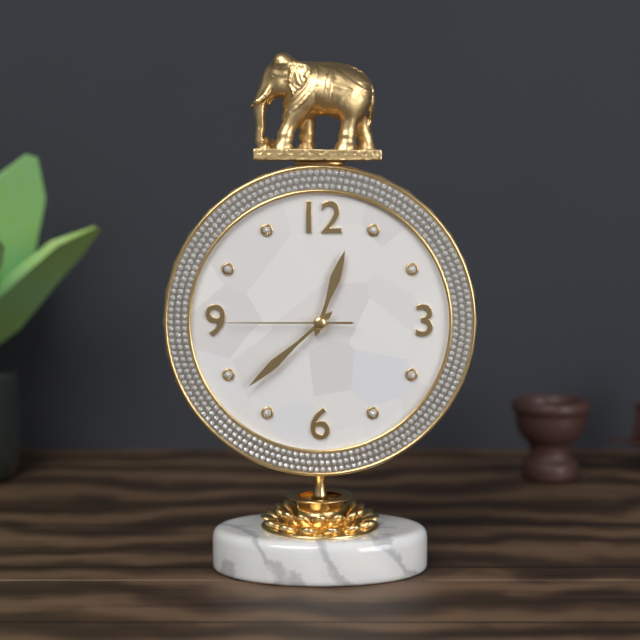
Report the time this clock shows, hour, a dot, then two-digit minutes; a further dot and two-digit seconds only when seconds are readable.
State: 12.38.45
